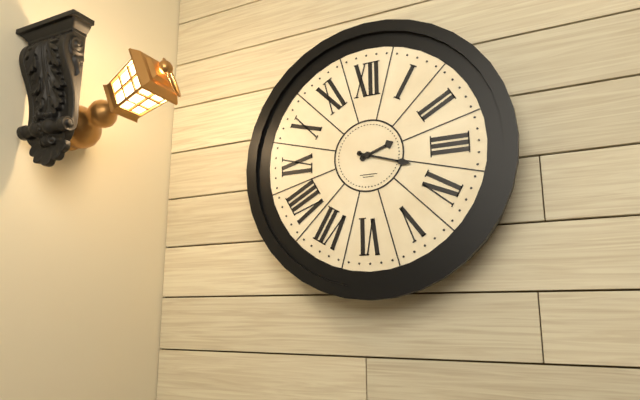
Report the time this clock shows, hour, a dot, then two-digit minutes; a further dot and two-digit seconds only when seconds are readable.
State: 2.18
